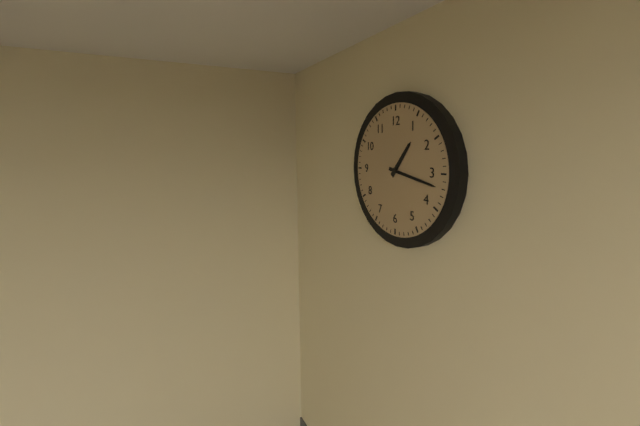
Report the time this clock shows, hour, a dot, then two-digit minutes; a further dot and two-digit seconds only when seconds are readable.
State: 1.17
